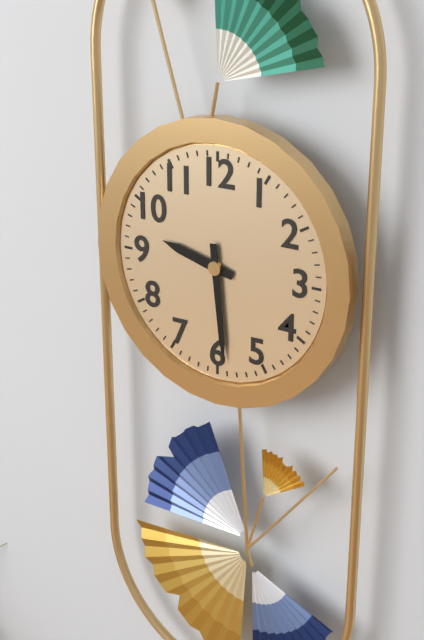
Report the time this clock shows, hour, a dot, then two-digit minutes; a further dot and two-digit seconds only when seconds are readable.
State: 9.29
